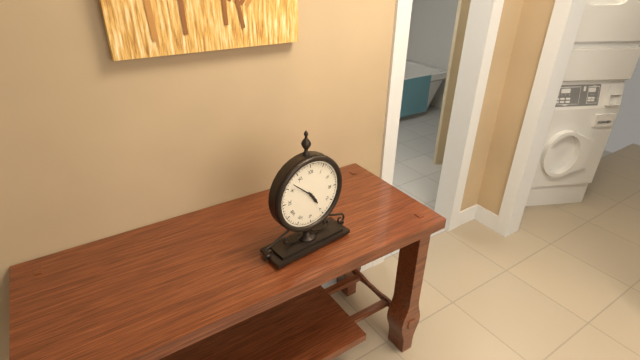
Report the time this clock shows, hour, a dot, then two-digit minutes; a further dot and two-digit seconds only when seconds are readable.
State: 4.52
